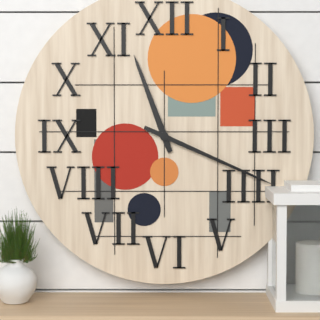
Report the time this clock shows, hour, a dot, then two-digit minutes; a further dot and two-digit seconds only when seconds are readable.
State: 11.19
